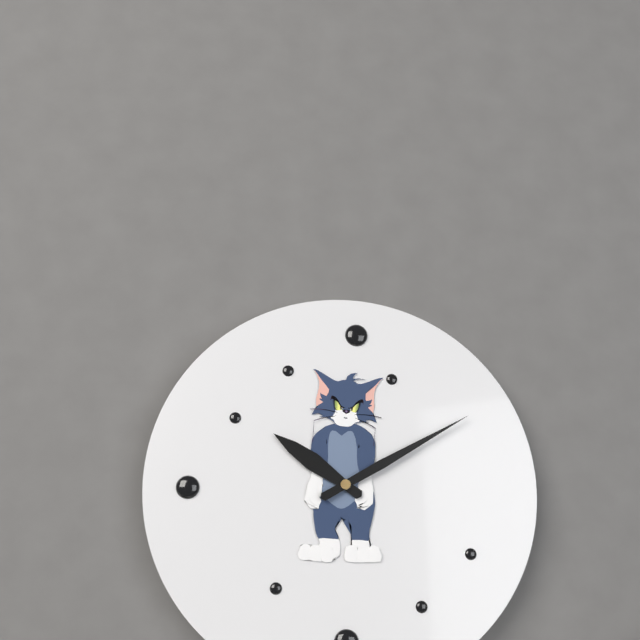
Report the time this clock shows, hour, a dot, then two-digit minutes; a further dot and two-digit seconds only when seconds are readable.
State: 10.10
